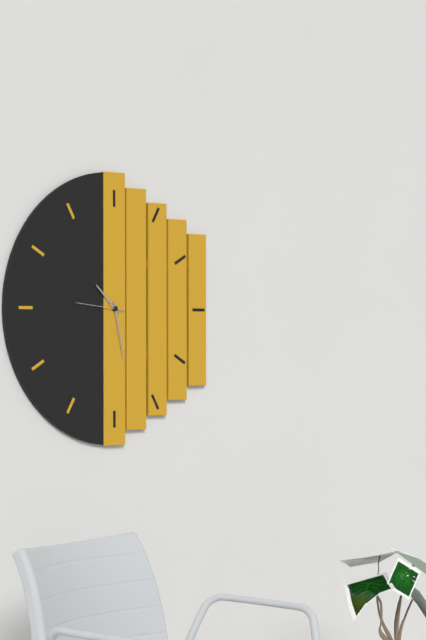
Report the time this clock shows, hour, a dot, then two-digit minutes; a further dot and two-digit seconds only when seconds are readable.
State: 10.28
